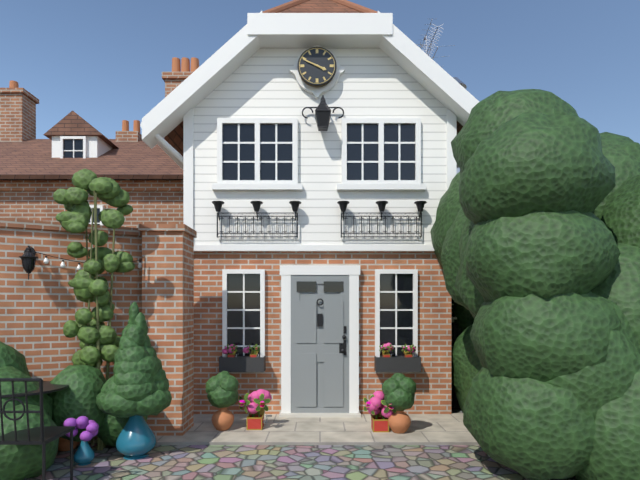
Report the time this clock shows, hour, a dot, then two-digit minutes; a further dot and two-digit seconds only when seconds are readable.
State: 3.49
